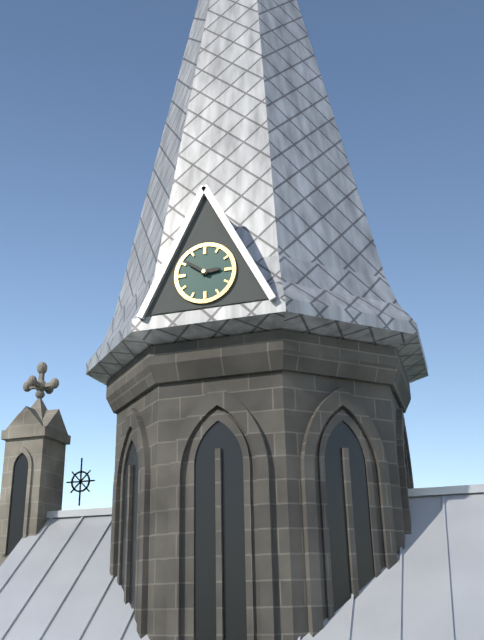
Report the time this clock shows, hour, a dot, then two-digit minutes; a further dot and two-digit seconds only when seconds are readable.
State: 2.51
